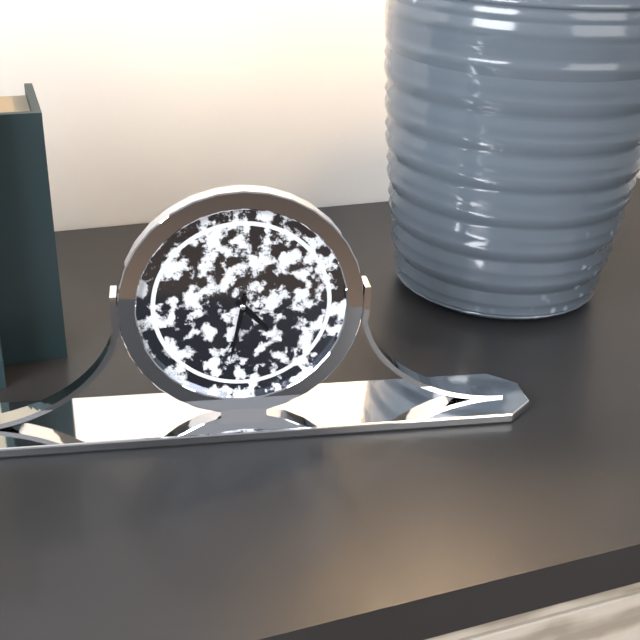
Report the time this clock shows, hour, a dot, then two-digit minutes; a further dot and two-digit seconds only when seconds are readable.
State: 4.32
